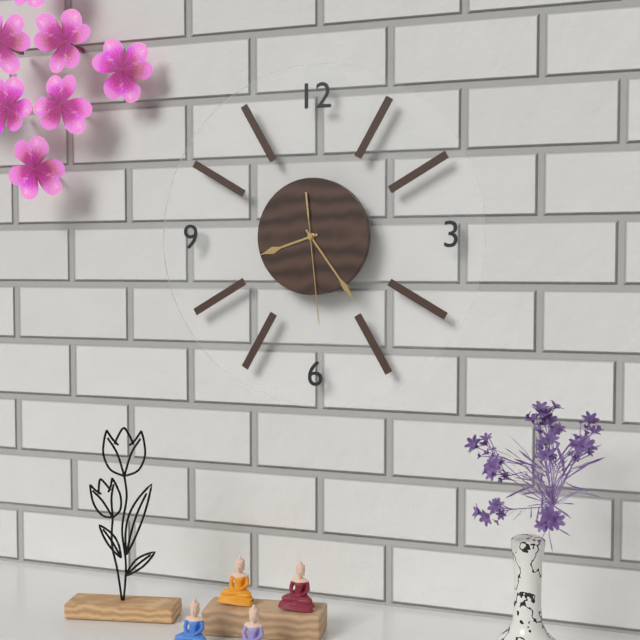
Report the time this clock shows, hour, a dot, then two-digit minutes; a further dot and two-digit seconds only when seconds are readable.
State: 8.24.29
